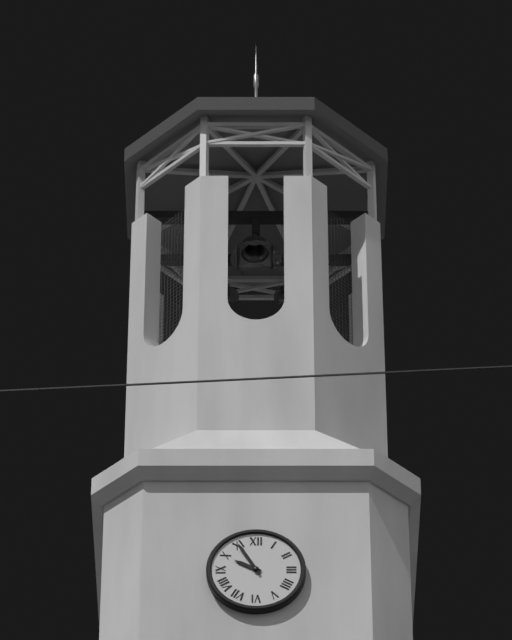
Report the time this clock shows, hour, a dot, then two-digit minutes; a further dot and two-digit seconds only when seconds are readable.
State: 9.55
